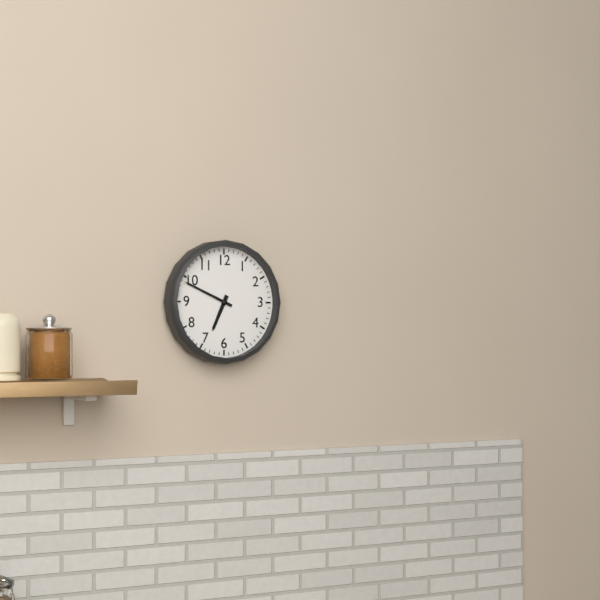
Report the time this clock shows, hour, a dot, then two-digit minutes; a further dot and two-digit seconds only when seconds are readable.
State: 6.49
